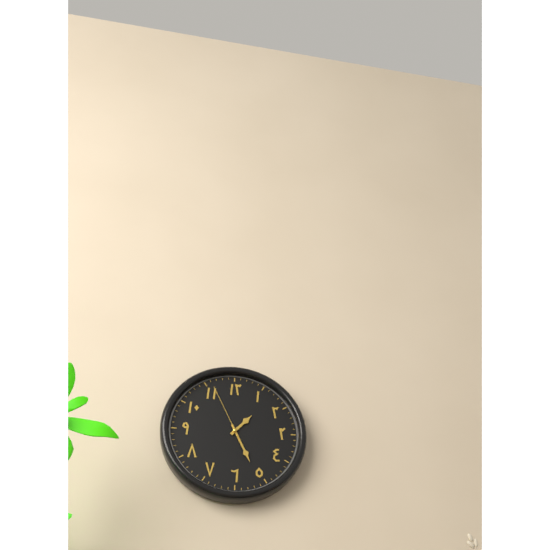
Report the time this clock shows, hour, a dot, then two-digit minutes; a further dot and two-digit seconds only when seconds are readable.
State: 1.26.56
